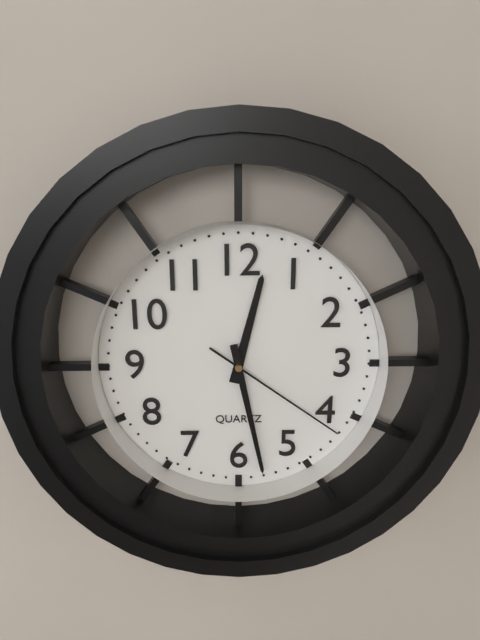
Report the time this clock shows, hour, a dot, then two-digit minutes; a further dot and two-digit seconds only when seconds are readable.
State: 12.28.21
